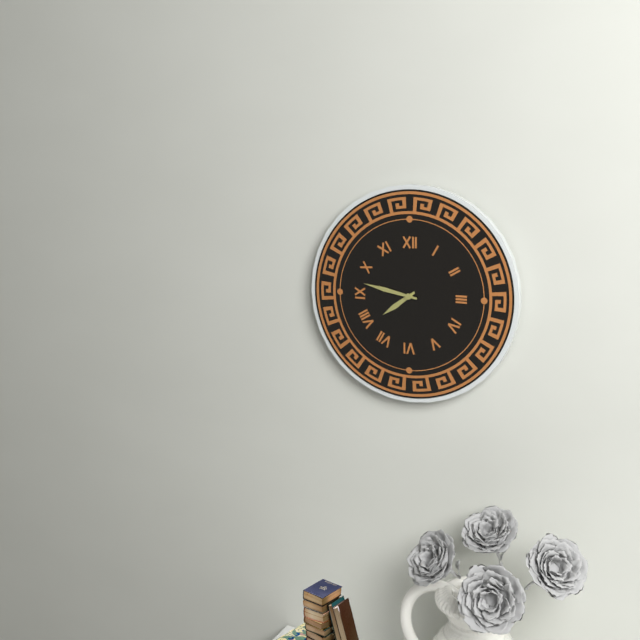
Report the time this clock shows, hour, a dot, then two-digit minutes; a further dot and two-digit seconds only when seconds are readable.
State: 7.47
